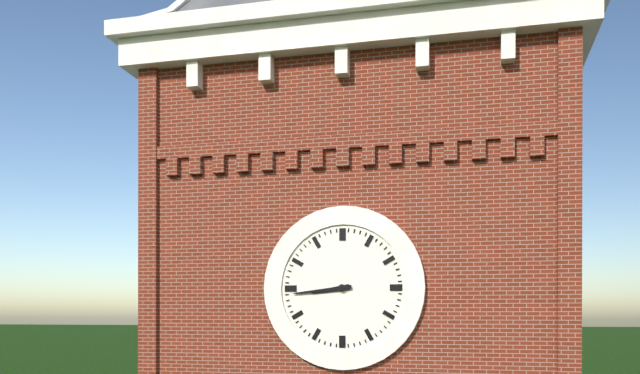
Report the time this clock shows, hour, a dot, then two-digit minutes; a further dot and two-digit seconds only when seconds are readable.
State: 8.44
